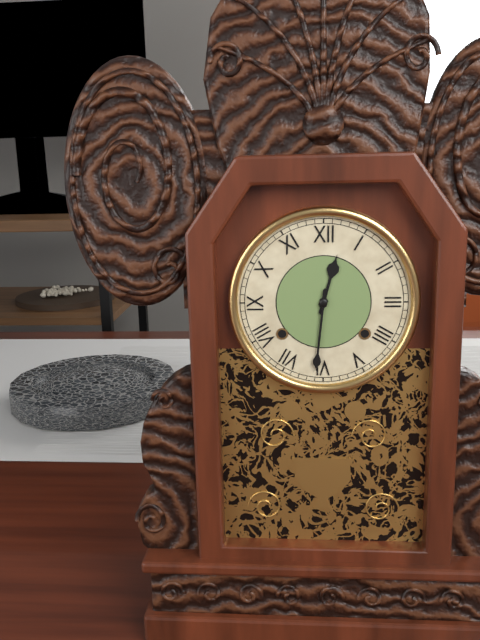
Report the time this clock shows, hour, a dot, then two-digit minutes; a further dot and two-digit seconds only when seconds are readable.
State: 12.31
